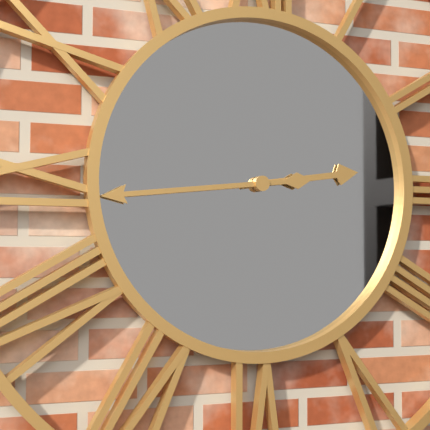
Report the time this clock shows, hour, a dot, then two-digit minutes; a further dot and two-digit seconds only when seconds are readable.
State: 2.44
